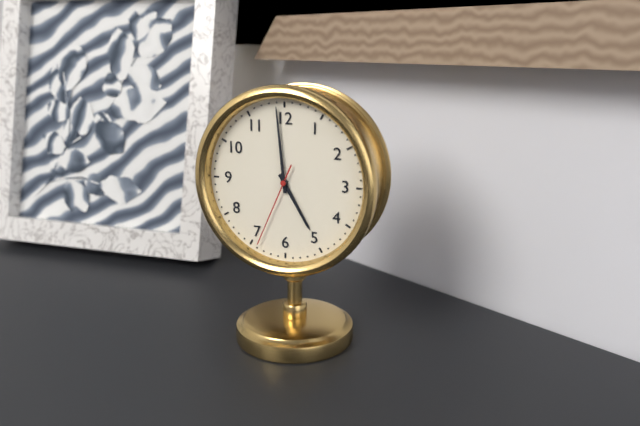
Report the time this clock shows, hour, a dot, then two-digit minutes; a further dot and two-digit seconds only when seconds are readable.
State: 4.59.34
